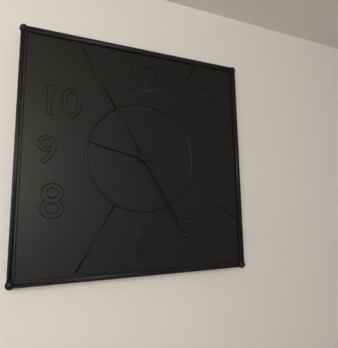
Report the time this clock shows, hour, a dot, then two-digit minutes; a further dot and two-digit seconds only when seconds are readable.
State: 9.25.55
